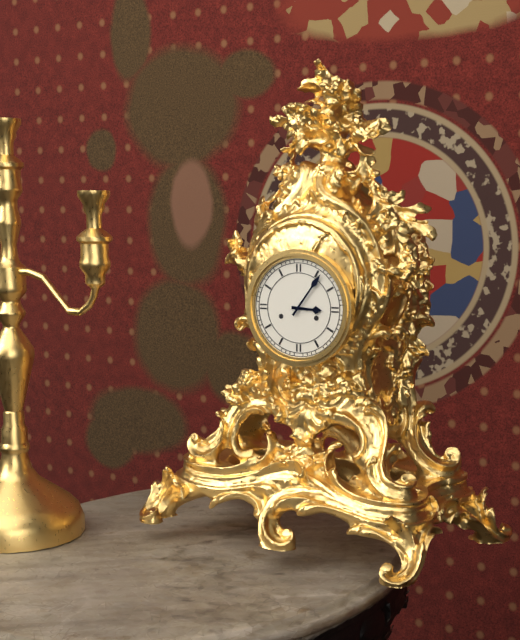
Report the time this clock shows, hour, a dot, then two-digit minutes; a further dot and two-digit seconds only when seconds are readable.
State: 3.06
